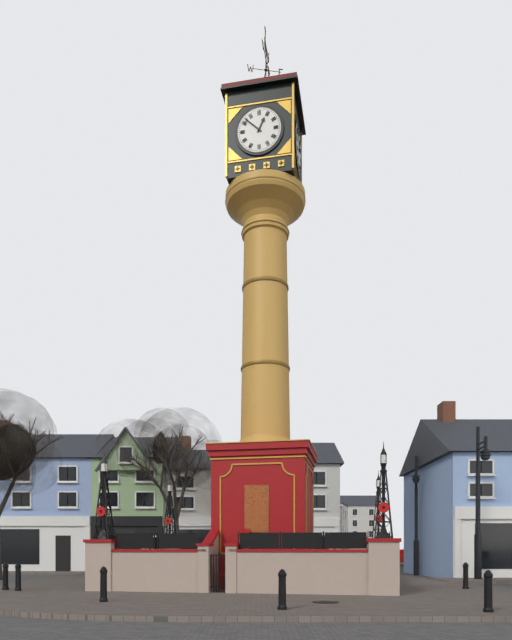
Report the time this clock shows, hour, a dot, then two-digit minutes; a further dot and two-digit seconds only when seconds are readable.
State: 12.52
